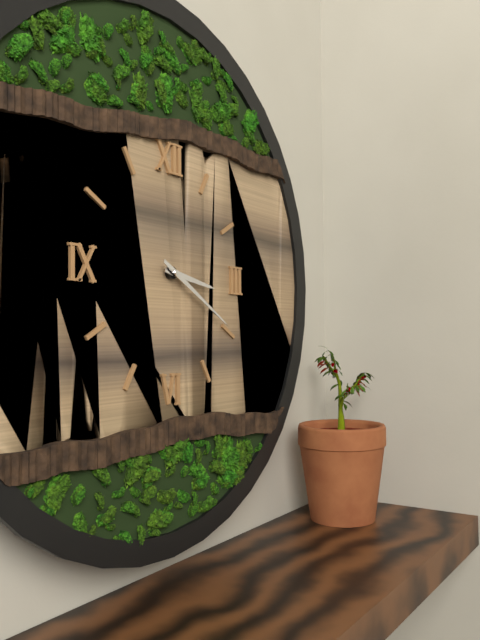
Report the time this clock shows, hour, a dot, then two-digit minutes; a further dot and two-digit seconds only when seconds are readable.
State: 3.20
